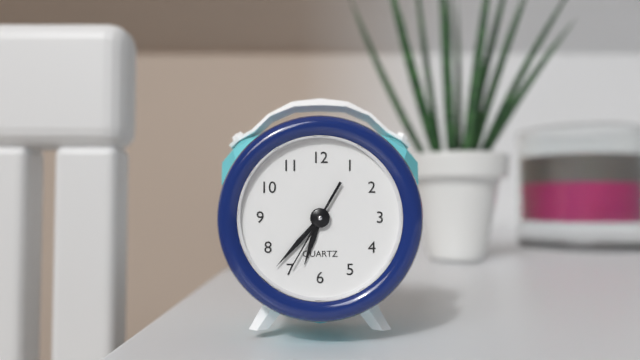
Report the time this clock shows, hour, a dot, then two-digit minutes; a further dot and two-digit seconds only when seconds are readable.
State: 6.37.35
